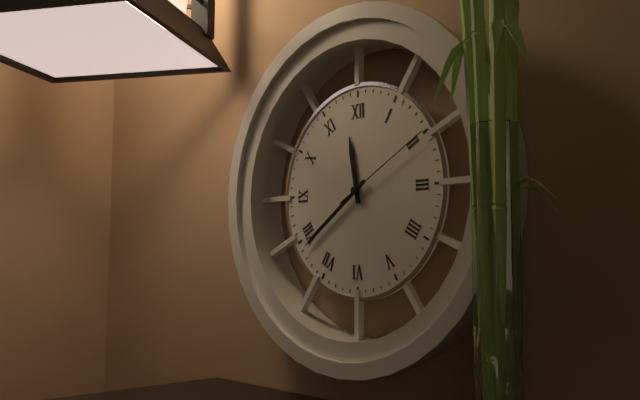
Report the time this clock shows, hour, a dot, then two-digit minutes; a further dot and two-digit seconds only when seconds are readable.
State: 11.39.10
